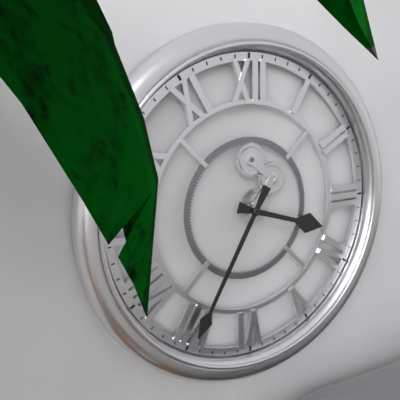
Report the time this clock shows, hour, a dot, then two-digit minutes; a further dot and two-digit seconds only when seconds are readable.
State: 3.35
